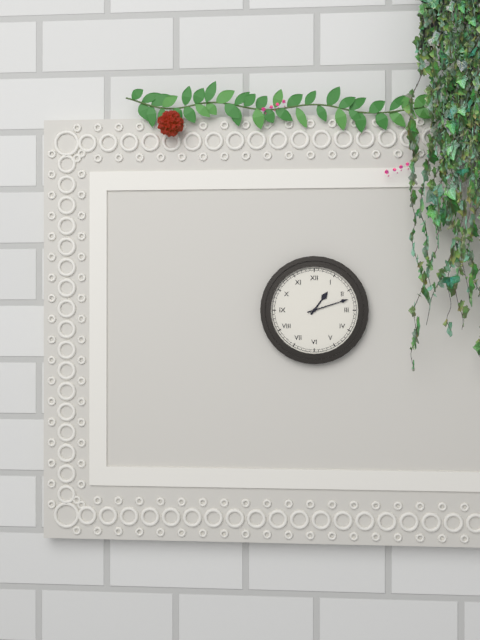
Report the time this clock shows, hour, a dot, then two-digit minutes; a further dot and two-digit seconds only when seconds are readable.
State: 1.12
